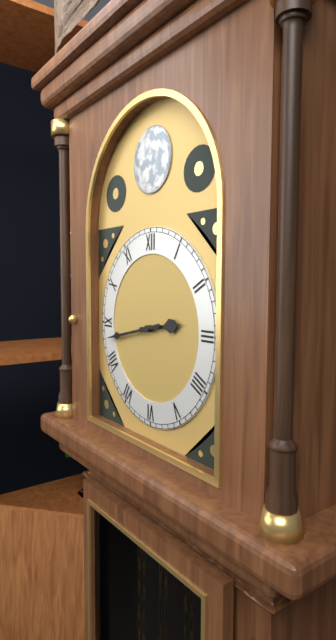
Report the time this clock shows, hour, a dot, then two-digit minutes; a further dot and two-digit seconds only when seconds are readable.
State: 2.43
